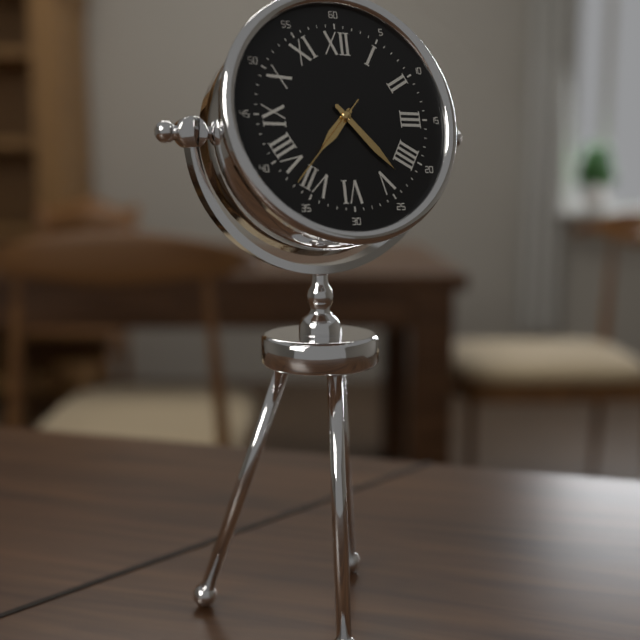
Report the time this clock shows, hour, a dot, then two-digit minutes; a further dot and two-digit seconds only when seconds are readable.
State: 7.23.37
